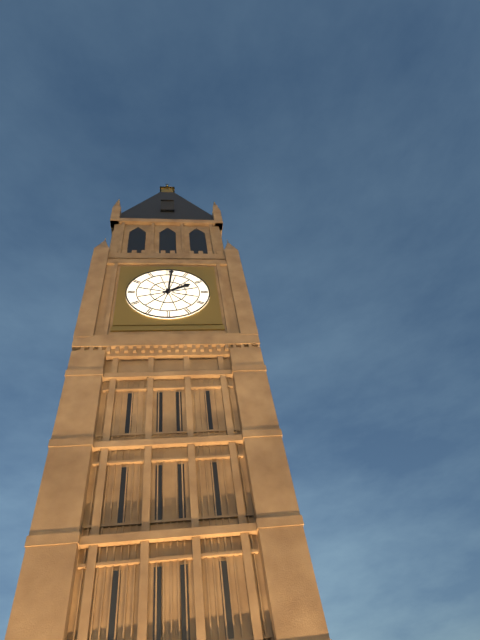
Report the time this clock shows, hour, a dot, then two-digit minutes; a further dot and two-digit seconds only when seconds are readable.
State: 2.01
